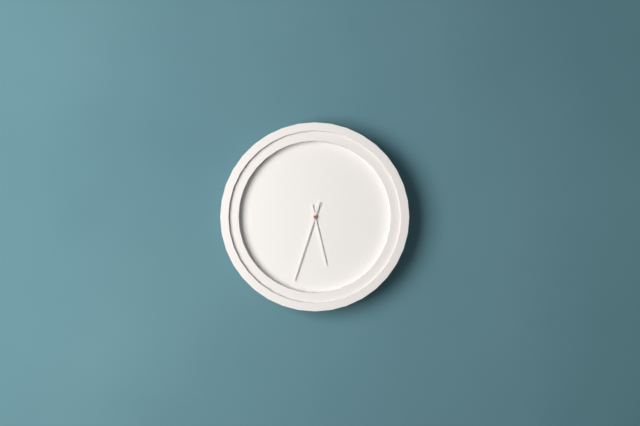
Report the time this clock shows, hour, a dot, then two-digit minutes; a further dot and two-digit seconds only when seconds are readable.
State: 5.33
